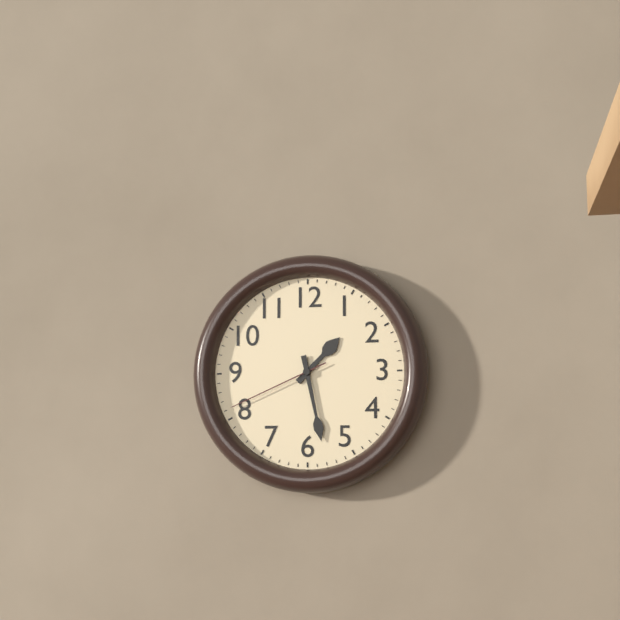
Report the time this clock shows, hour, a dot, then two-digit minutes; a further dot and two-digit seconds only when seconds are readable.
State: 1.28.41
